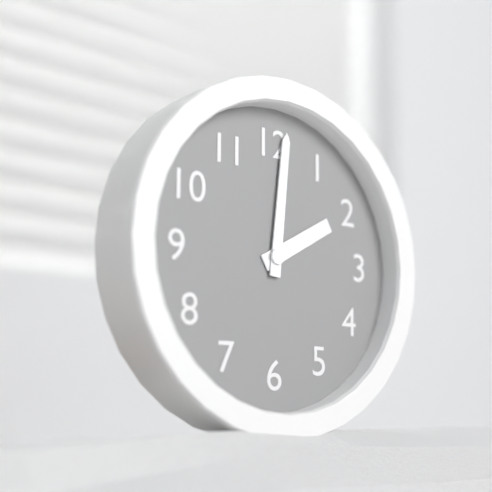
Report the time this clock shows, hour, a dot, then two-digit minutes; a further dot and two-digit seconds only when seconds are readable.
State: 2.01
